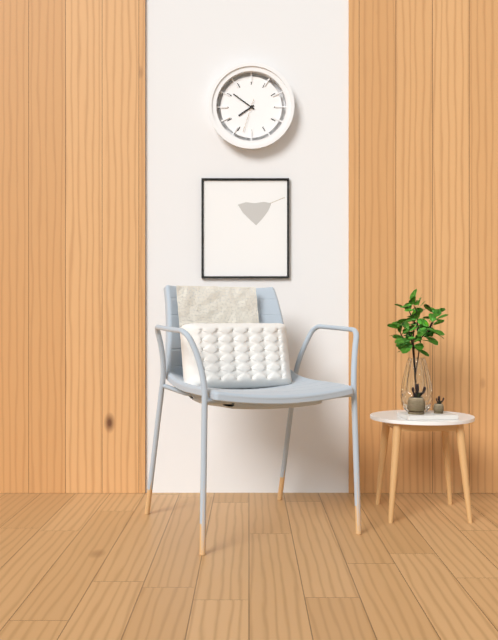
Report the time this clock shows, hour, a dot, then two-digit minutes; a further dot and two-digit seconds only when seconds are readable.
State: 7.51
